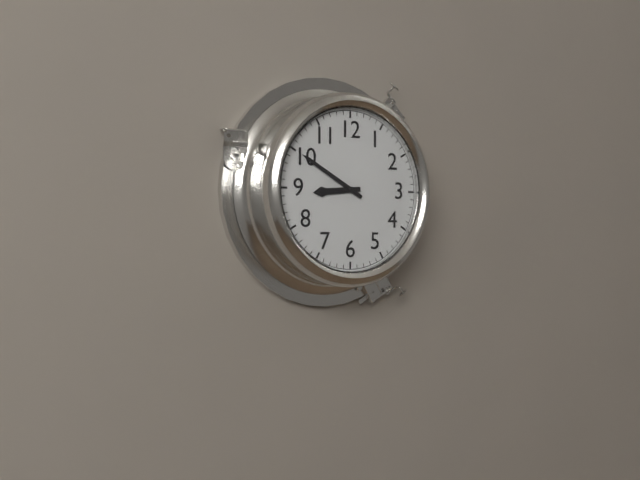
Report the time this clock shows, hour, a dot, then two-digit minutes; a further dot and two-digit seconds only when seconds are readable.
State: 8.50
